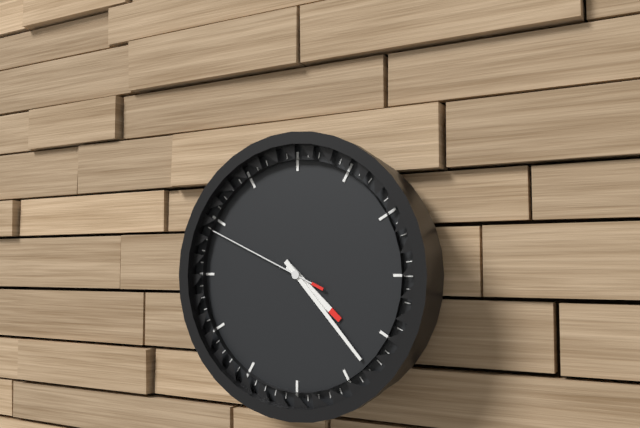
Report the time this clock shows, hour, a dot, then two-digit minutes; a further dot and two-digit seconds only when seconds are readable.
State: 4.23.49
